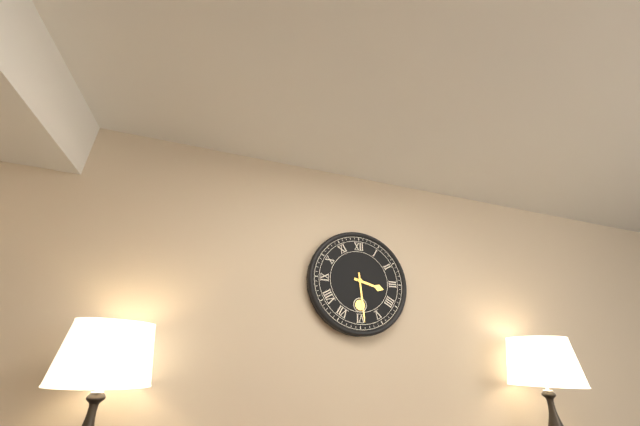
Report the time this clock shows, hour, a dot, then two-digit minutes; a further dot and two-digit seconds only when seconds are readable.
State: 3.29
